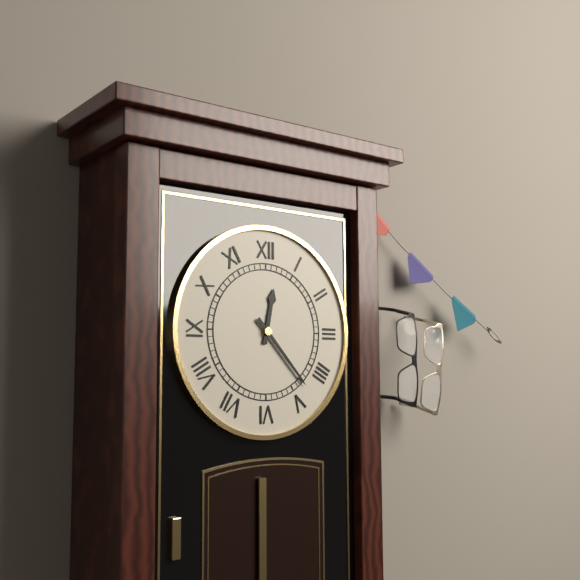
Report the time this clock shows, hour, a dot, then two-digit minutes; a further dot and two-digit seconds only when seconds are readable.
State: 12.23
